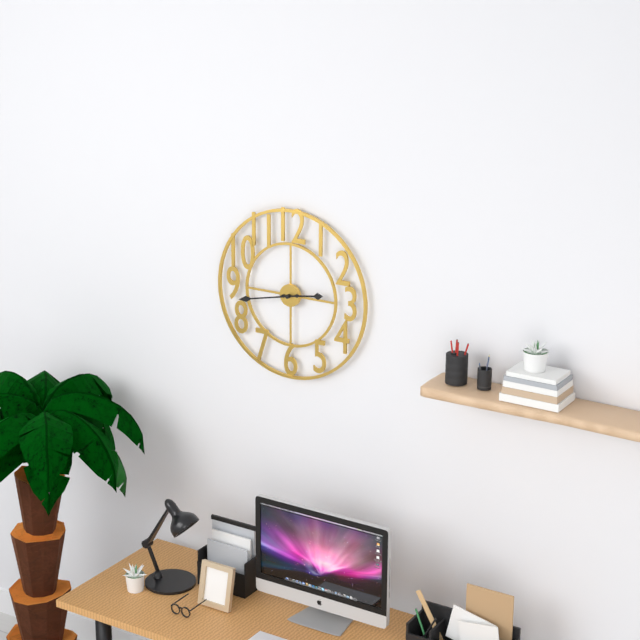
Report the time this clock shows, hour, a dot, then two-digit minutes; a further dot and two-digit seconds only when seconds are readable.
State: 2.43
